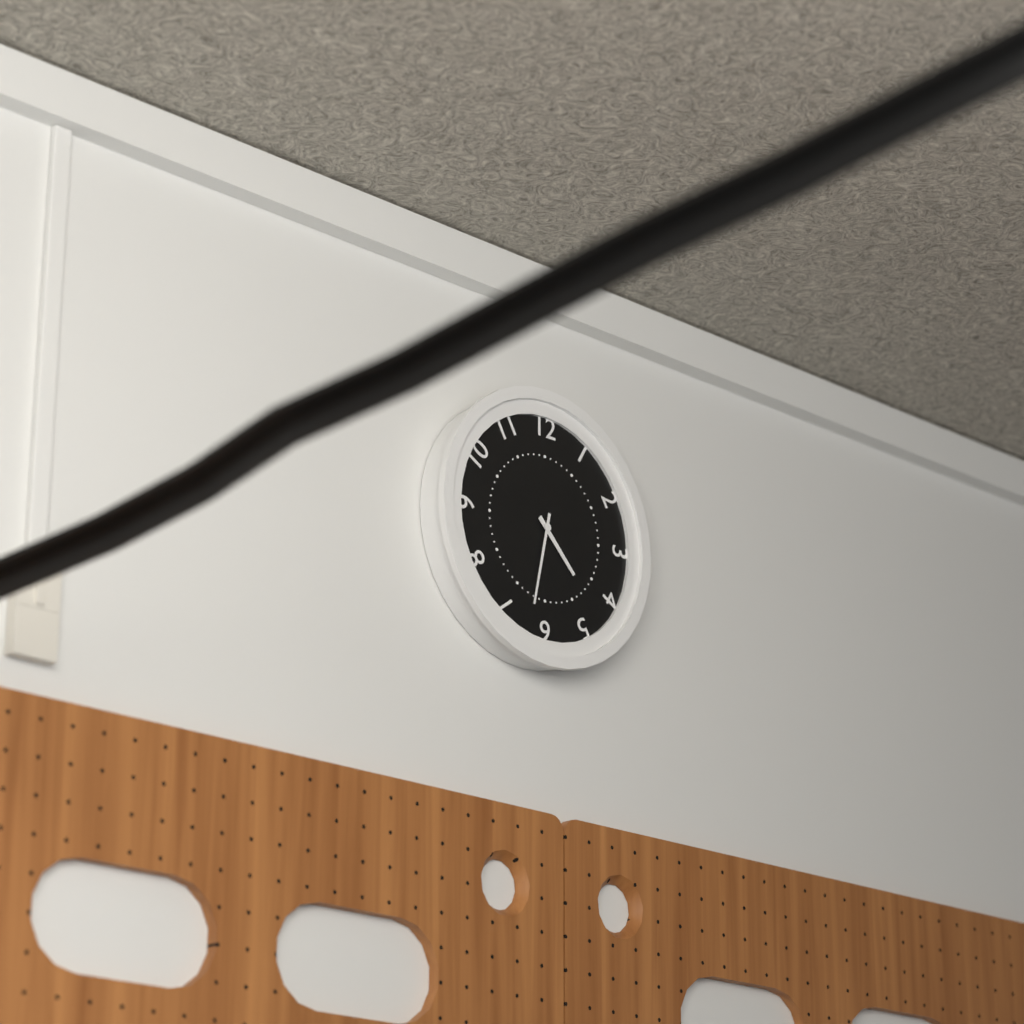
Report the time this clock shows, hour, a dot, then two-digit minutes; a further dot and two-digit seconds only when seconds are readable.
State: 4.32
